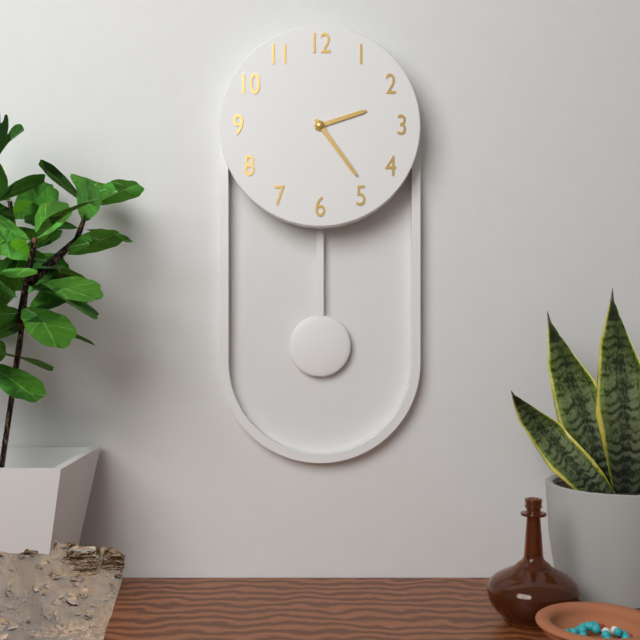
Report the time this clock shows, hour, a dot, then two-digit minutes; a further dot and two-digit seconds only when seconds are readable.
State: 2.24
